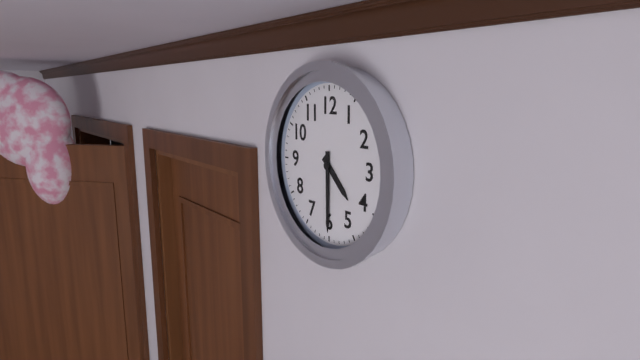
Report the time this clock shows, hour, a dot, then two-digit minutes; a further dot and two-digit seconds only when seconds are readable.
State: 4.30
